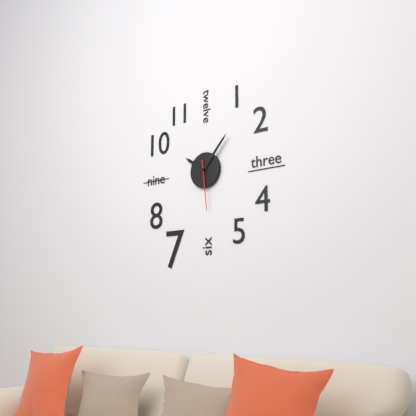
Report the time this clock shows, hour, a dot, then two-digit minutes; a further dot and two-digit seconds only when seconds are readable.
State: 10.07.29
